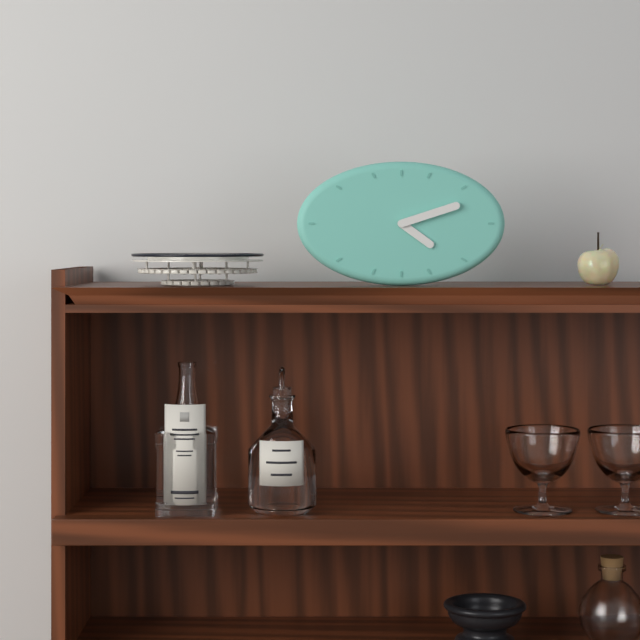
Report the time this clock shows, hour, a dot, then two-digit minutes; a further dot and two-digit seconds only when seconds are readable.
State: 4.12
